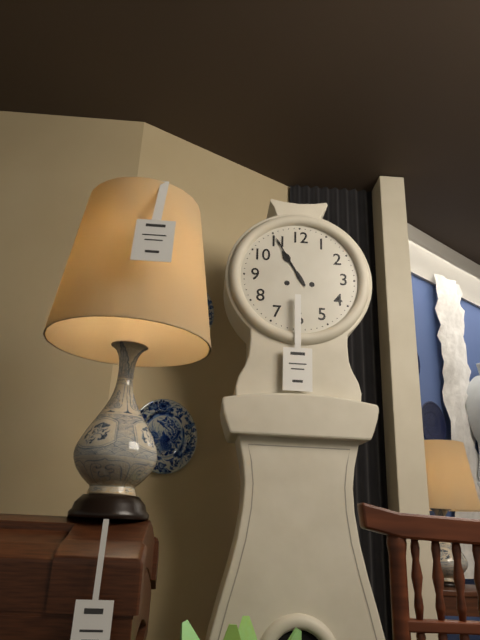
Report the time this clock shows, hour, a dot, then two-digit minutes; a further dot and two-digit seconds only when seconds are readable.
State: 10.55
